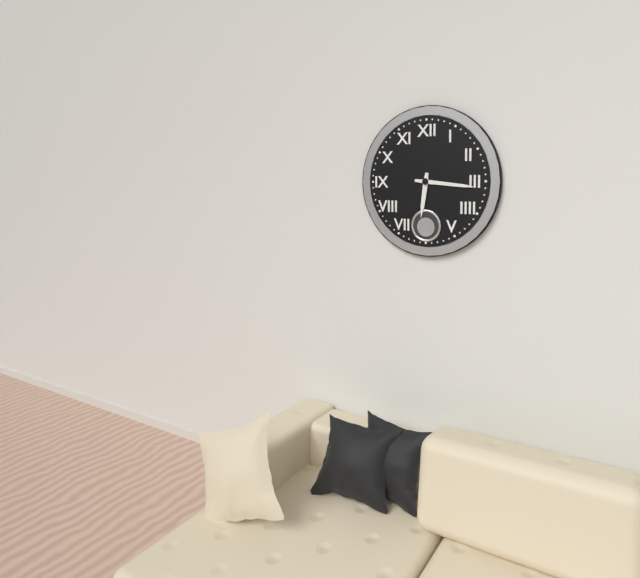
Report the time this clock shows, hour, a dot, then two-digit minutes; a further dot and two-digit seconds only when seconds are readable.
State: 6.16
